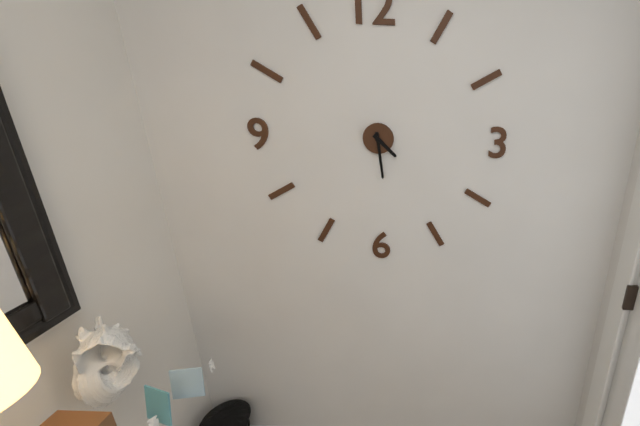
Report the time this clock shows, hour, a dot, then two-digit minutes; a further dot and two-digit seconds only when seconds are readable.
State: 4.29
